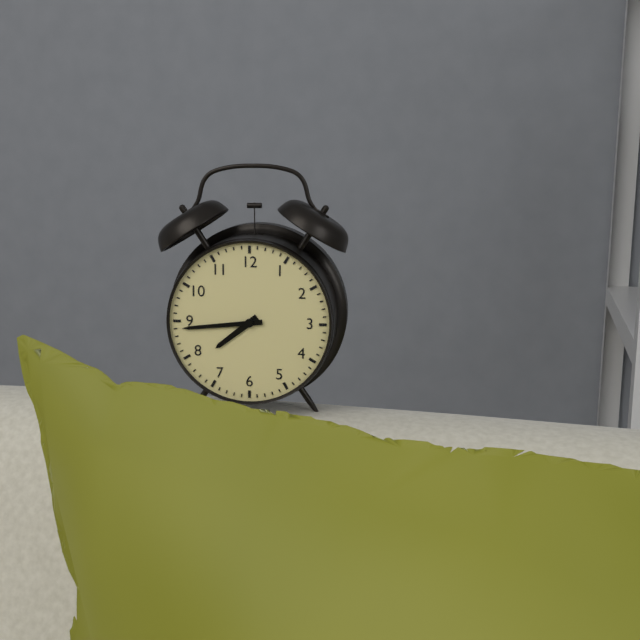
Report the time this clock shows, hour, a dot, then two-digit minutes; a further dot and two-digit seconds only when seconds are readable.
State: 7.44
